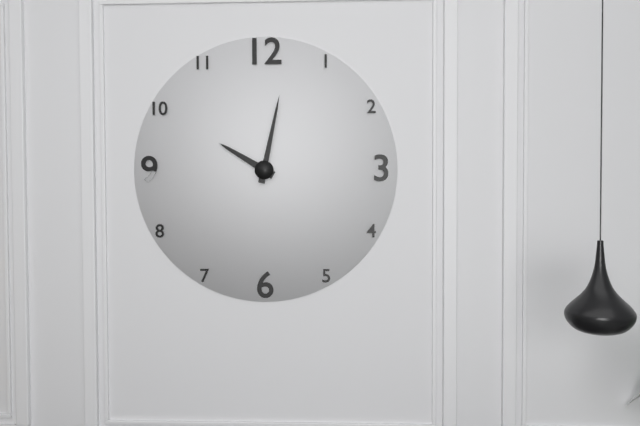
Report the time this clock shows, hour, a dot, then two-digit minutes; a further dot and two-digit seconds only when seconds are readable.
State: 10.02
